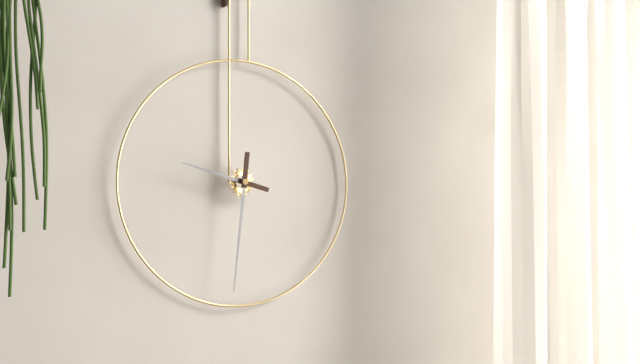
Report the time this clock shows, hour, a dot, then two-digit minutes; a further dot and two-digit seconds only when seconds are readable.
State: 9.31
